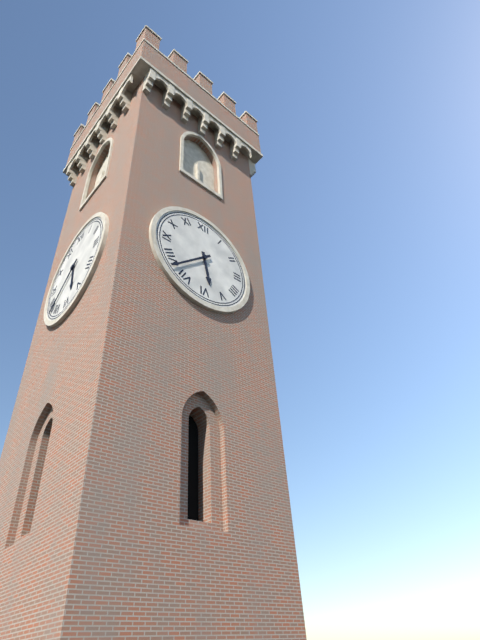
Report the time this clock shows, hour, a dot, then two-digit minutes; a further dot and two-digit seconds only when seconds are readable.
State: 5.38
